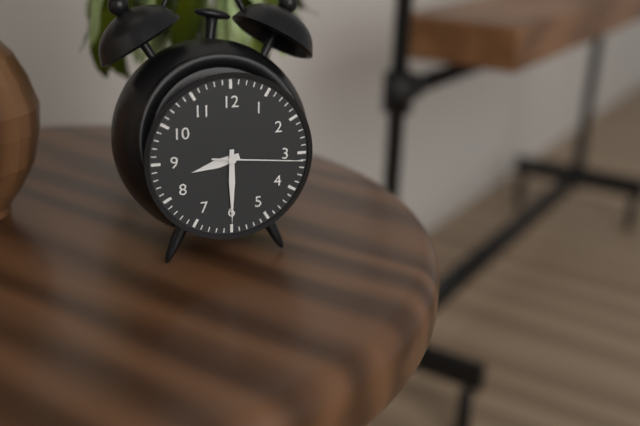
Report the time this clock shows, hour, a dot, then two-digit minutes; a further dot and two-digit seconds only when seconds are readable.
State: 8.30.16
